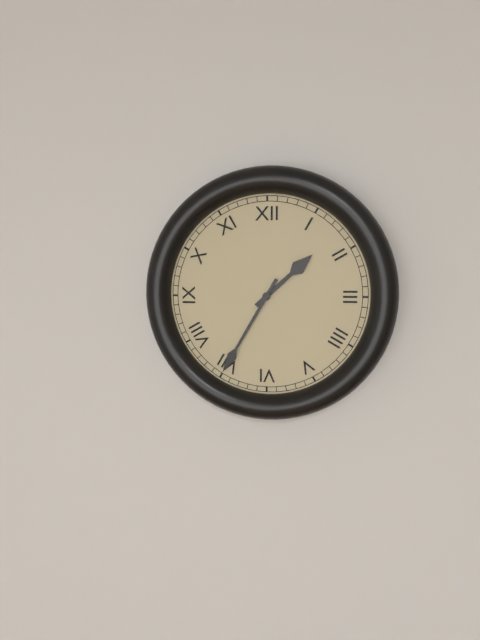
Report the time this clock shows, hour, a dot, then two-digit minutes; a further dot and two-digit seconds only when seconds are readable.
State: 1.35
